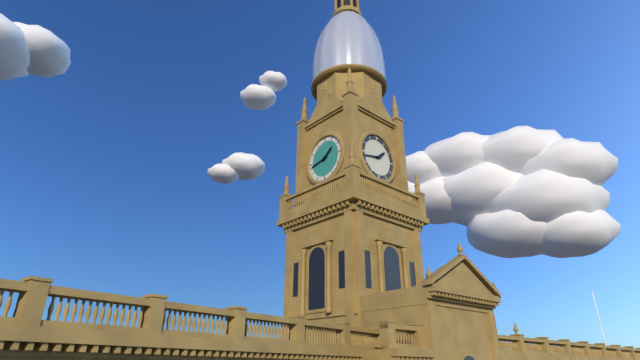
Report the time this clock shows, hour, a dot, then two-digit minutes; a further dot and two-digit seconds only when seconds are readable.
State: 1.43
